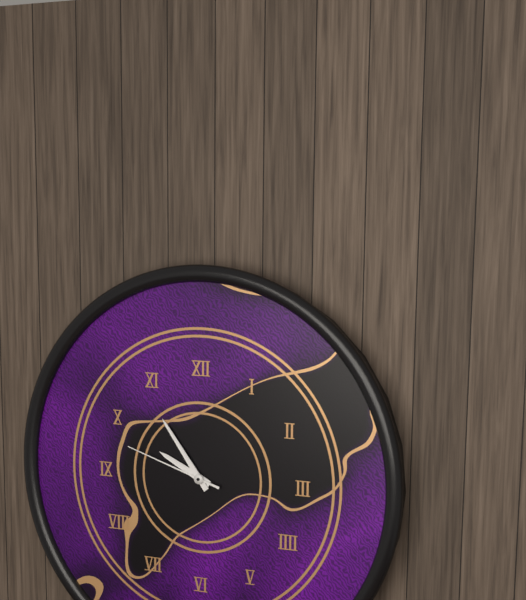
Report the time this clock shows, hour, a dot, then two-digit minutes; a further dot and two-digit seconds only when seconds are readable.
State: 9.54.48
